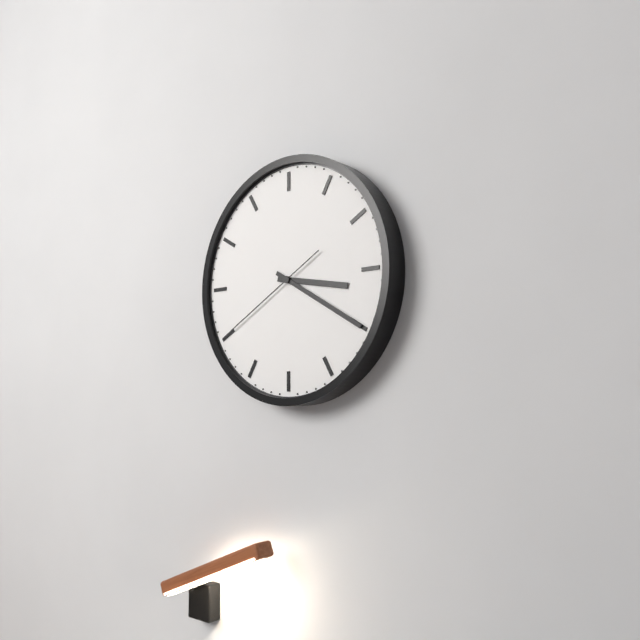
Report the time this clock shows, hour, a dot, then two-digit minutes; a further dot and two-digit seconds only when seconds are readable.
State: 3.20.40
